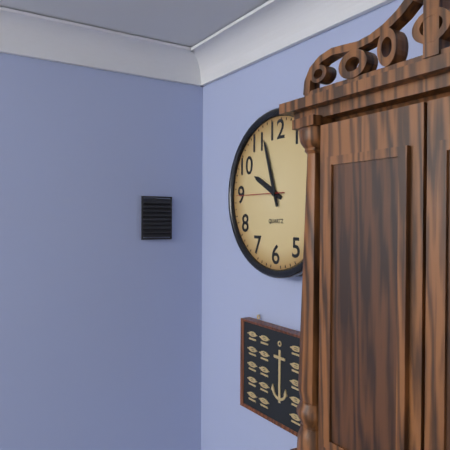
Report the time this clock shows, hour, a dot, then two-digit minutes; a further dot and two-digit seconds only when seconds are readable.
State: 9.57.45
